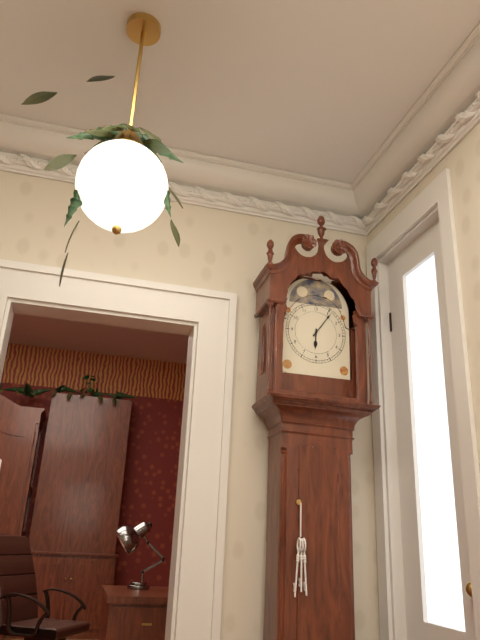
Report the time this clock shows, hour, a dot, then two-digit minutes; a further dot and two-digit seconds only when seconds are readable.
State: 6.06
